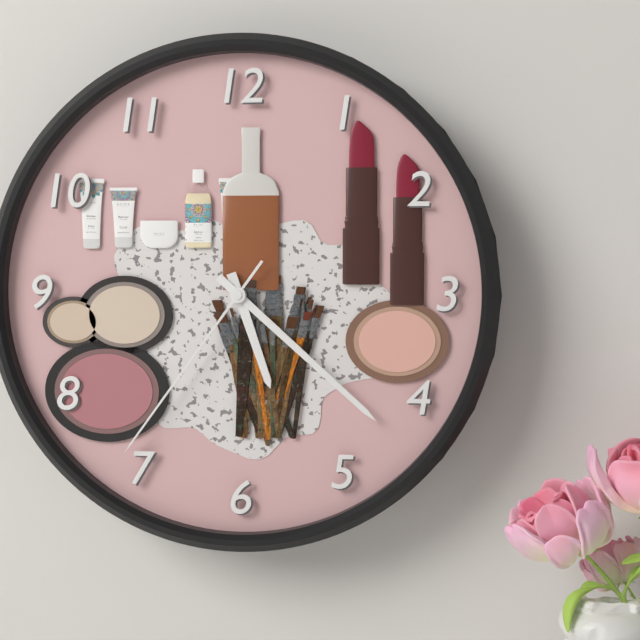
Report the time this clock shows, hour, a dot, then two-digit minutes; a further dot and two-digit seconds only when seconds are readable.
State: 5.22.36
